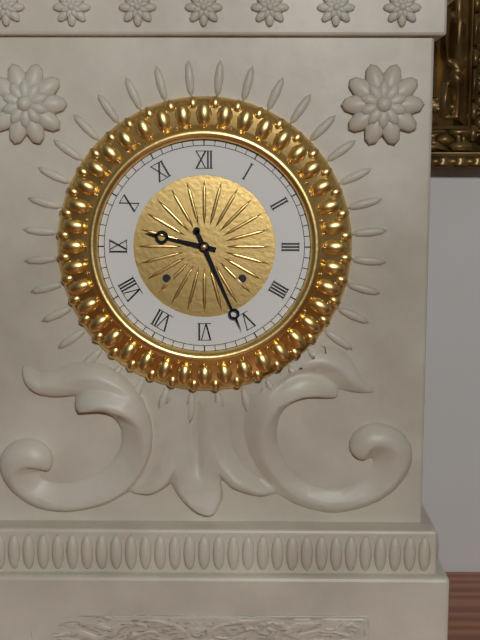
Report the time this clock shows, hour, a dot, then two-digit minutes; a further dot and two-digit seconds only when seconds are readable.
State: 9.26
